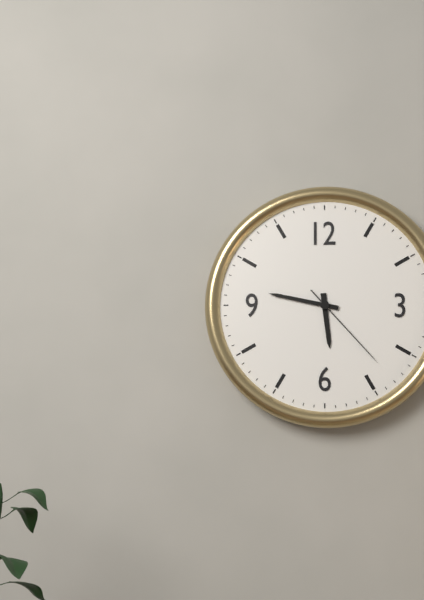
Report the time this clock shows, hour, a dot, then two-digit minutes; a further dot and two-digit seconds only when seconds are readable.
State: 5.47.23
